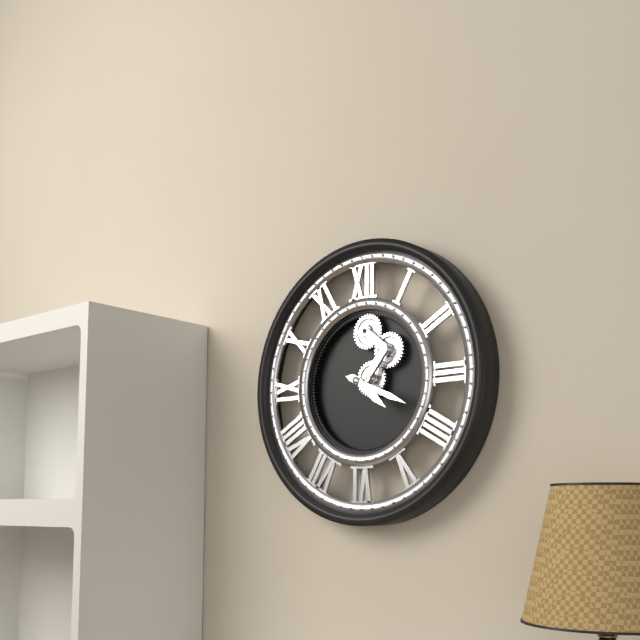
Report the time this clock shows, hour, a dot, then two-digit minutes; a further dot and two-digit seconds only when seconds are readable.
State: 4.19
